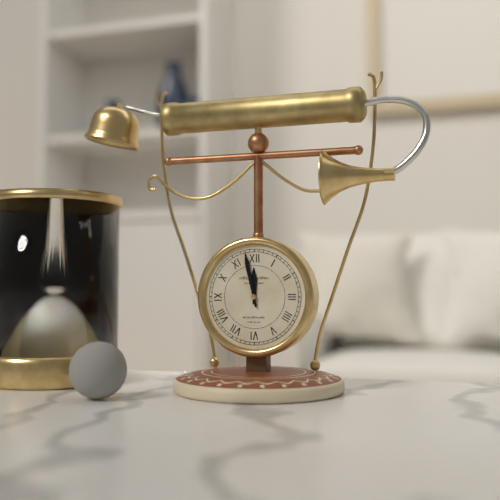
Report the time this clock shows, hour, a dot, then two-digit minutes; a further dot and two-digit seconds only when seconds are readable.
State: 11.58
